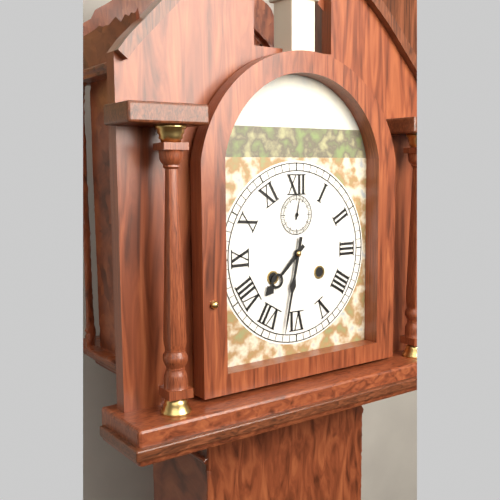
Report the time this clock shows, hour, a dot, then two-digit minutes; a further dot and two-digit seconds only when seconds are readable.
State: 7.32
